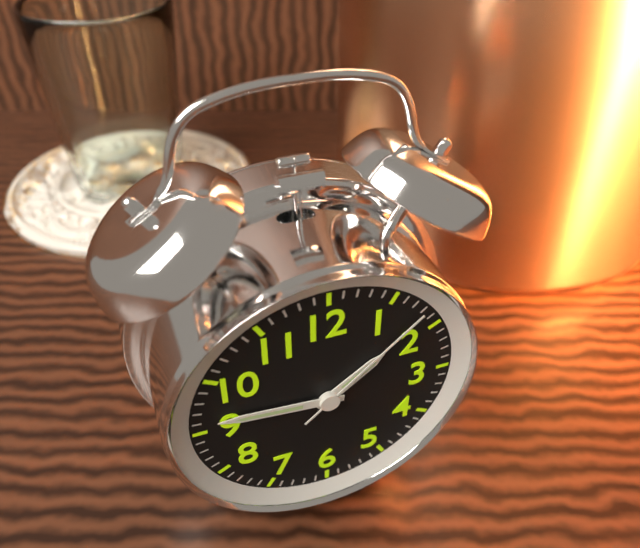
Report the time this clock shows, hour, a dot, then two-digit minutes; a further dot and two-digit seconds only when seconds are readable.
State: 1.46.08
